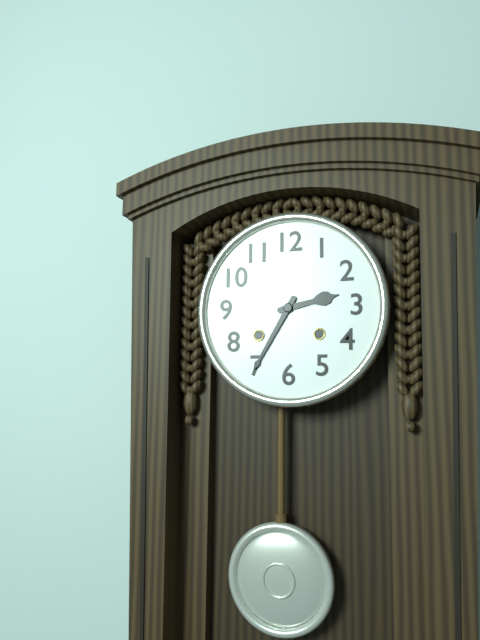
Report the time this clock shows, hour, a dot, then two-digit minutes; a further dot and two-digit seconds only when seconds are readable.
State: 2.35
